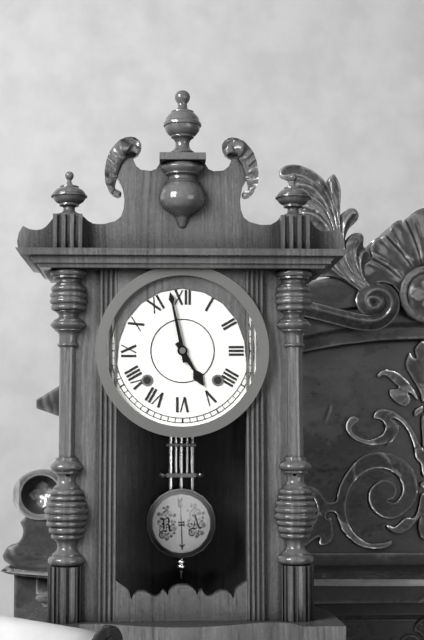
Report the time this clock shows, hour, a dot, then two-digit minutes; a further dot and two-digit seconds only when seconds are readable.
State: 4.58
